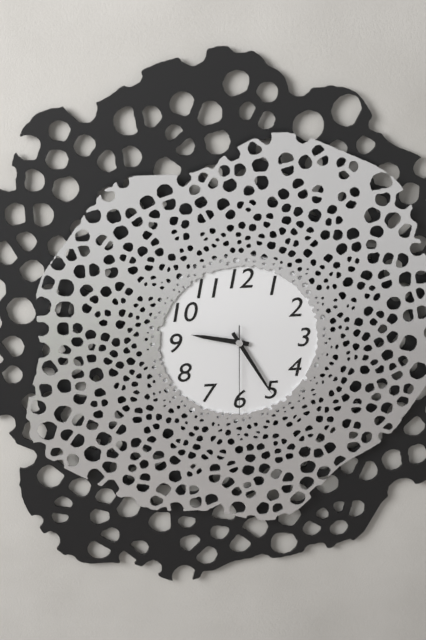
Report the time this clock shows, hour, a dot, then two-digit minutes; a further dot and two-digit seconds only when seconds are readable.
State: 9.25.30
